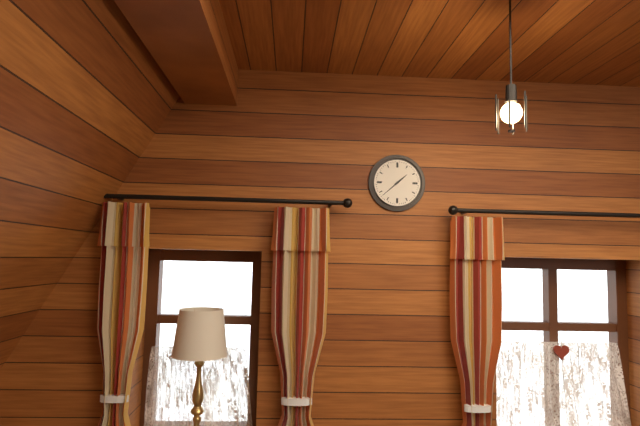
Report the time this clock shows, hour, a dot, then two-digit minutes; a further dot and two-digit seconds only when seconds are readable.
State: 1.38
